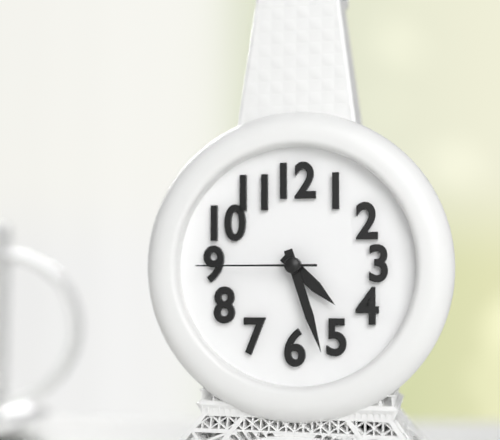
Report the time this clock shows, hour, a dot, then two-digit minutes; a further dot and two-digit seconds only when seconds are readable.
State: 4.27.45
